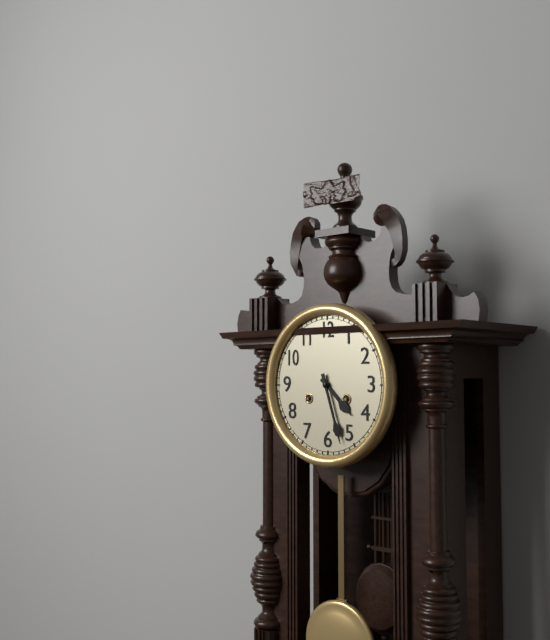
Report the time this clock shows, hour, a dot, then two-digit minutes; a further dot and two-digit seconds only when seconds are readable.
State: 4.27
